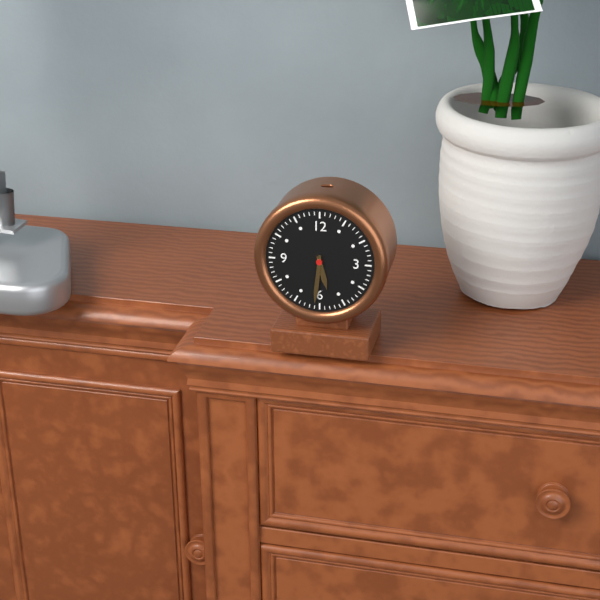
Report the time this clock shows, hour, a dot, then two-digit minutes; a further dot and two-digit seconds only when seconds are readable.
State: 5.31
